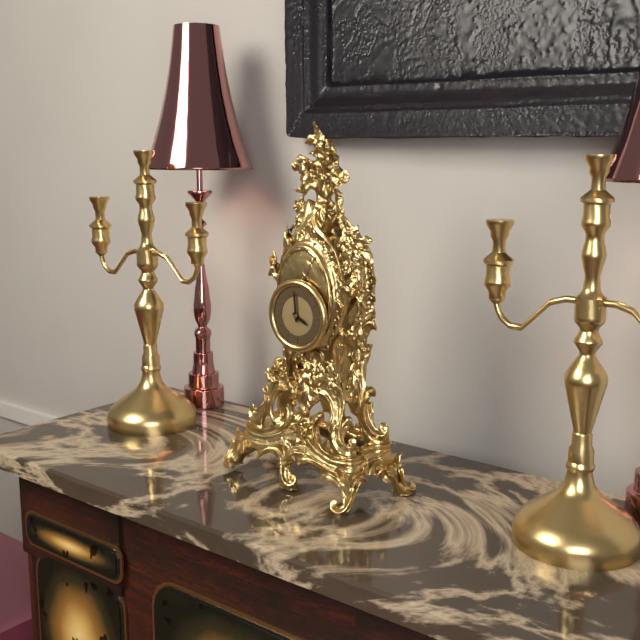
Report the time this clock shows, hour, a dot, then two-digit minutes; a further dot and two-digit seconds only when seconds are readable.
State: 3.59
